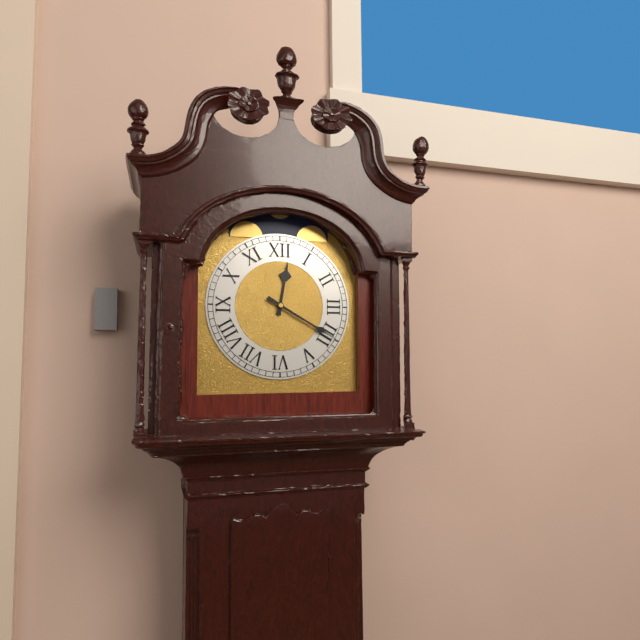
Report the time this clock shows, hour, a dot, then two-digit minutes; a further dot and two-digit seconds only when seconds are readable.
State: 12.20
